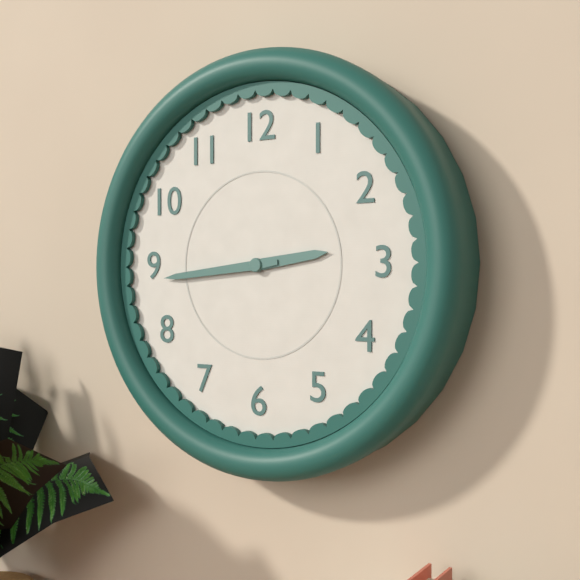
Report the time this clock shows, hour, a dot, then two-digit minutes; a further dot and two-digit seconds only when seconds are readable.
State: 2.44
